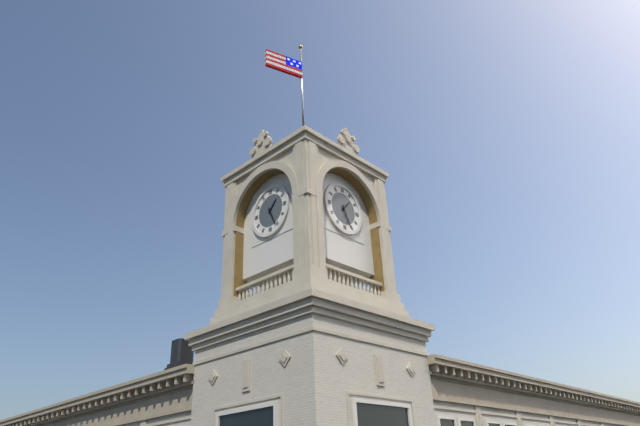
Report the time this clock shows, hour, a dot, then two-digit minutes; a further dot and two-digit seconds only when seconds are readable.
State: 1.26
